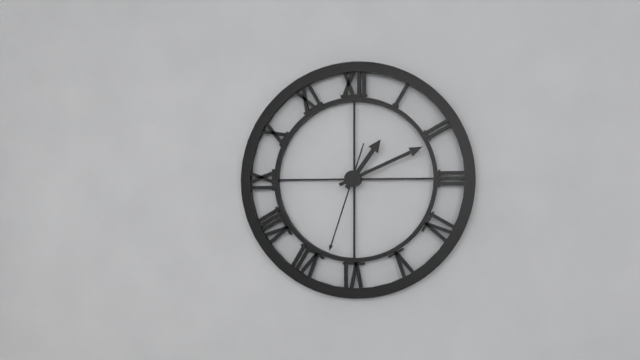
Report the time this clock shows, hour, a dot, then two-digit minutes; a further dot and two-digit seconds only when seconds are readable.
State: 1.11.33
